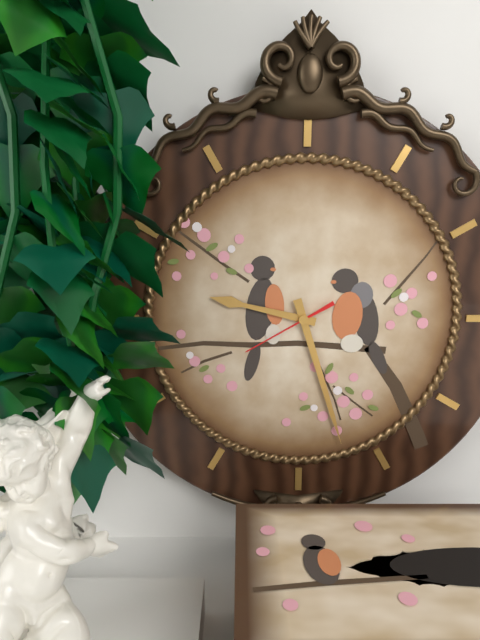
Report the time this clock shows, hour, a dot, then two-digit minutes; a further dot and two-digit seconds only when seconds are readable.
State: 9.27.40
